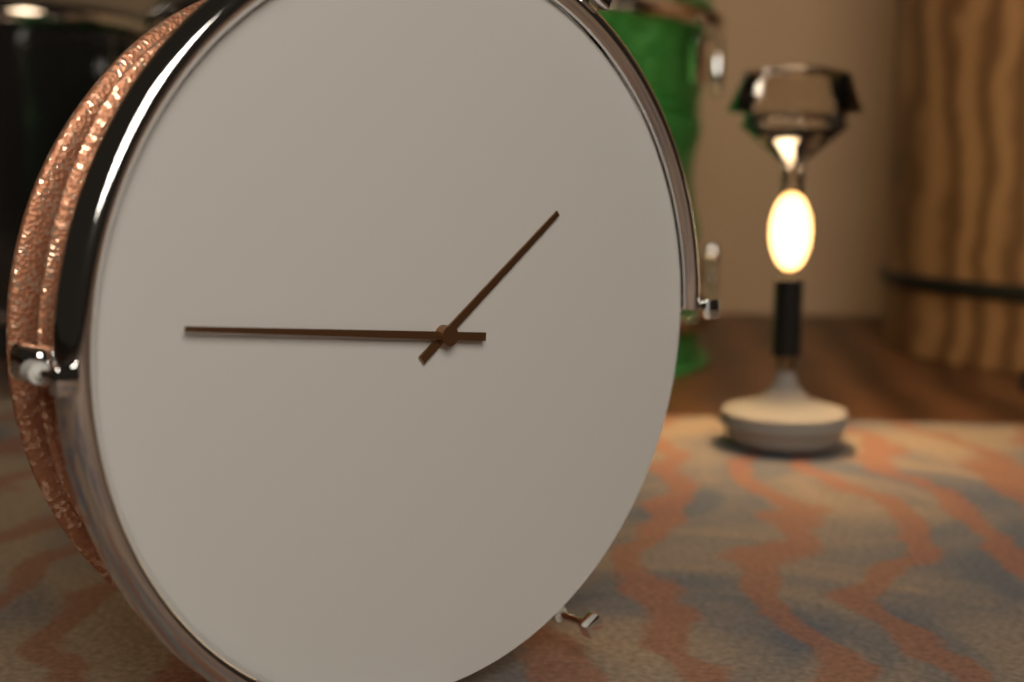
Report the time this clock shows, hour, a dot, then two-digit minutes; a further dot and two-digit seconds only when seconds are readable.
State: 1.46
